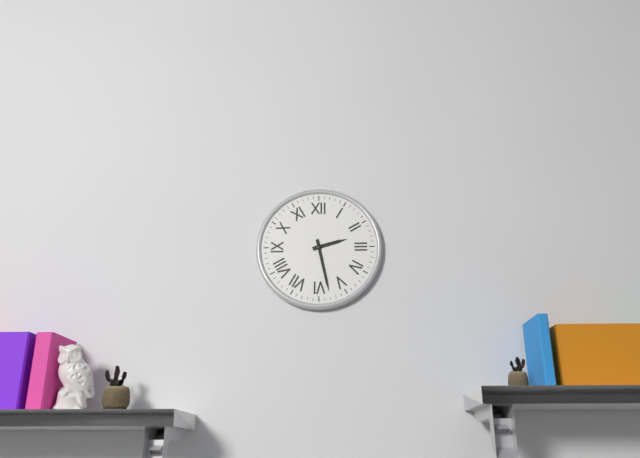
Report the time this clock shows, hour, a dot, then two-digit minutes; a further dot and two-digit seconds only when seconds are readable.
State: 2.28
